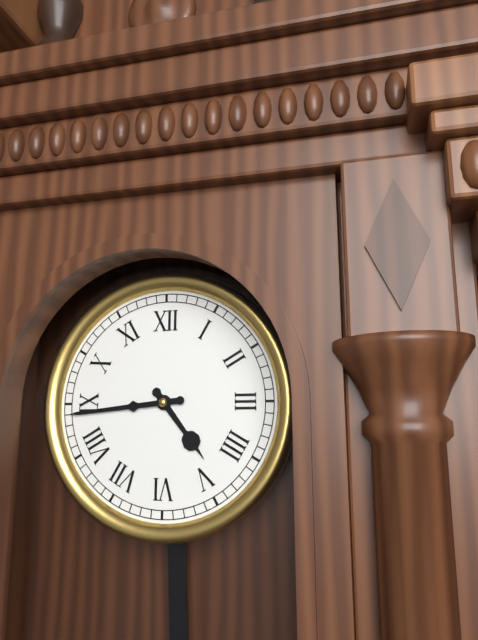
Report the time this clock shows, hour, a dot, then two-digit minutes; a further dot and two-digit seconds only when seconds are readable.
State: 4.44
